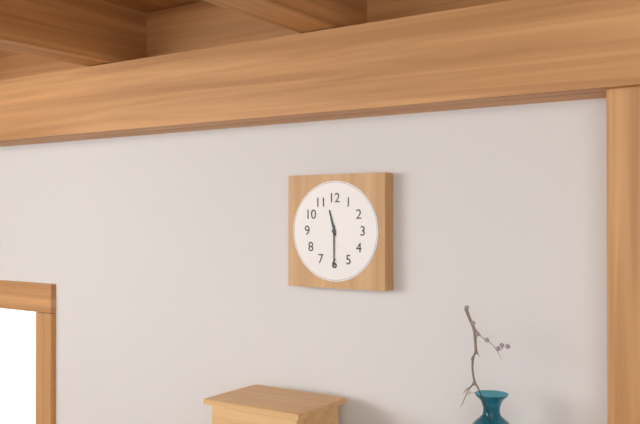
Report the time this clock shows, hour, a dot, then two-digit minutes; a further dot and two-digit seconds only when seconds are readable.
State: 11.30
